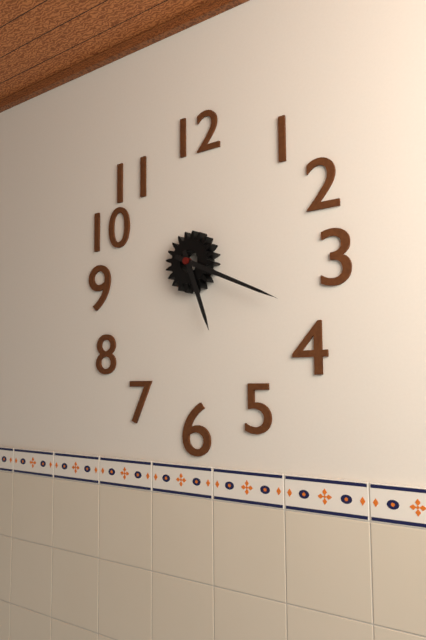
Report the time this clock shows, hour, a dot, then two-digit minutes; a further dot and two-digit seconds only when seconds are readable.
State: 5.19
